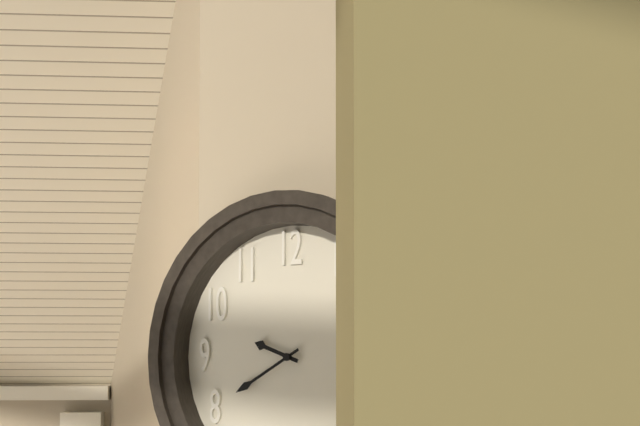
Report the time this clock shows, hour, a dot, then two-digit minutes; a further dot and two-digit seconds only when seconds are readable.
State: 9.40
